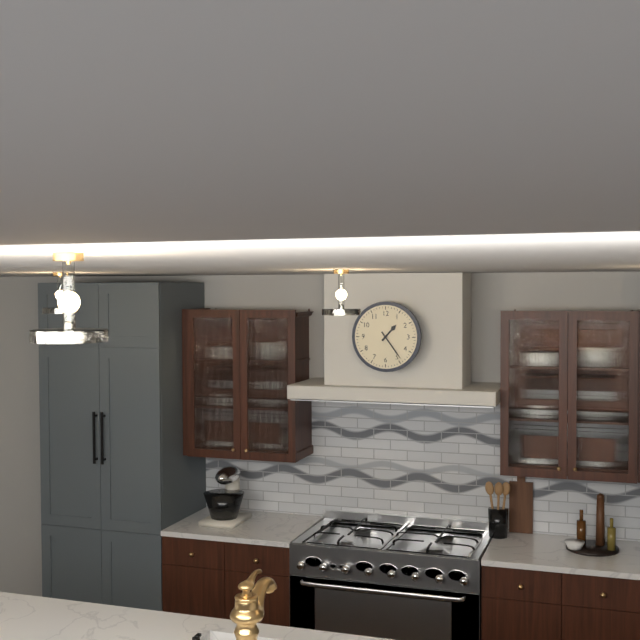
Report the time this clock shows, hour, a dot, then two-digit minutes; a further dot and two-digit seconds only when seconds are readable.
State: 1.24
